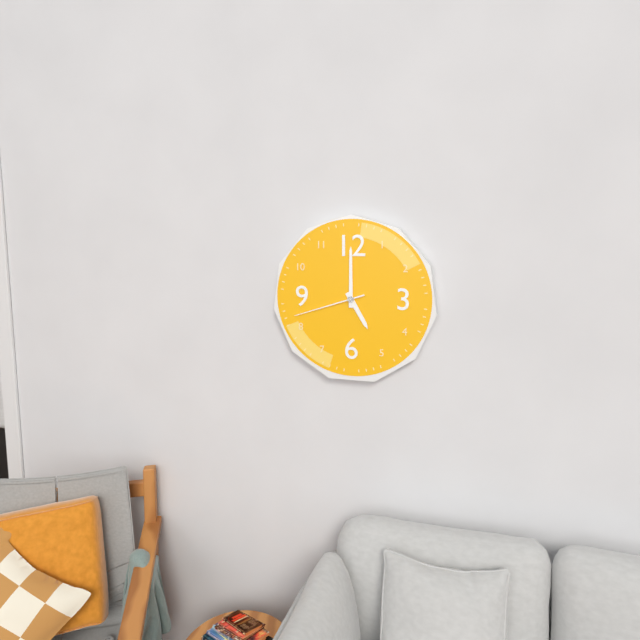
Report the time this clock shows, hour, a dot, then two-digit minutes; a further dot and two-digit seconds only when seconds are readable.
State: 5.00.42
